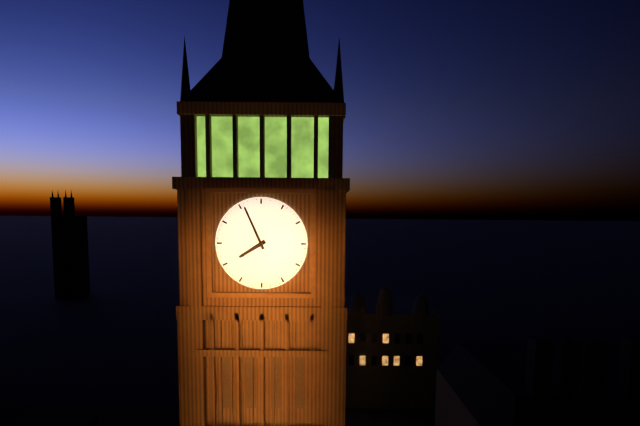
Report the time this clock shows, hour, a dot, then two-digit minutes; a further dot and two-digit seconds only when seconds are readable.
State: 7.56
